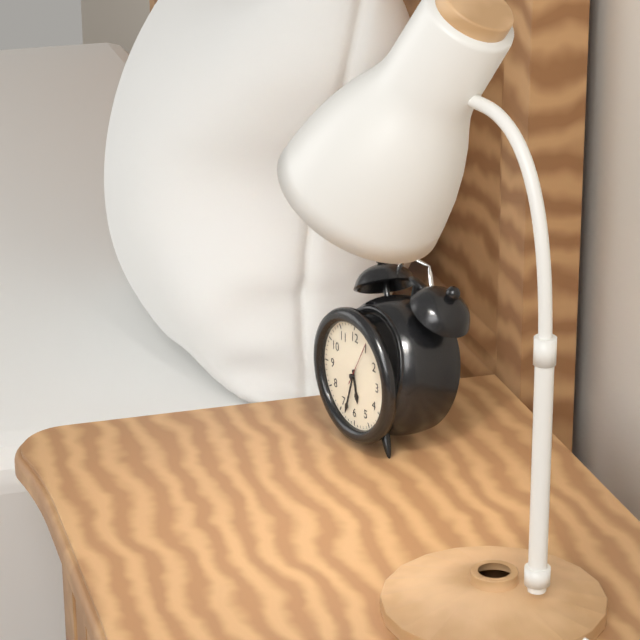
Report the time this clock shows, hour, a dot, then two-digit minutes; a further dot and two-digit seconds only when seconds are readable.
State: 5.33
